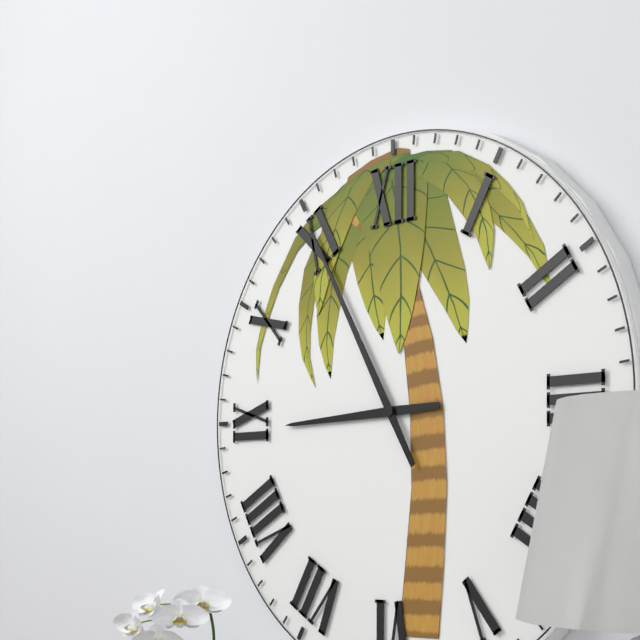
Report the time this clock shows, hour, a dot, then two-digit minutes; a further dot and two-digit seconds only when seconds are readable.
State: 8.55
